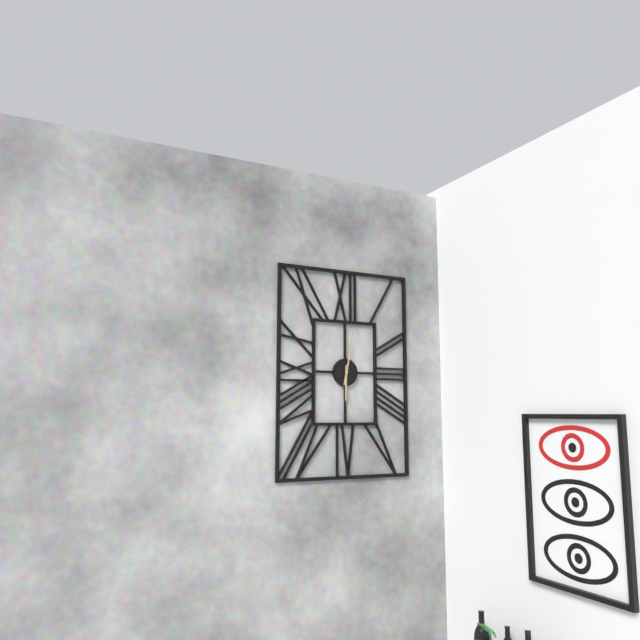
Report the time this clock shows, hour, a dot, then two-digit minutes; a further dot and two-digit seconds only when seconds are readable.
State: 6.02
